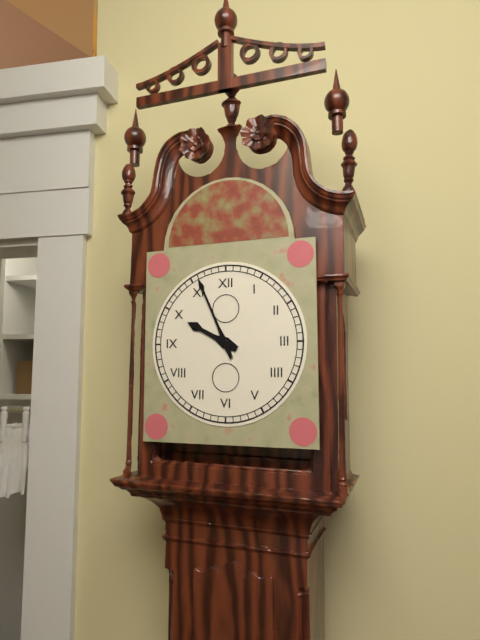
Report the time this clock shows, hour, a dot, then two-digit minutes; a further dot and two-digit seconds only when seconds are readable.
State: 9.56
